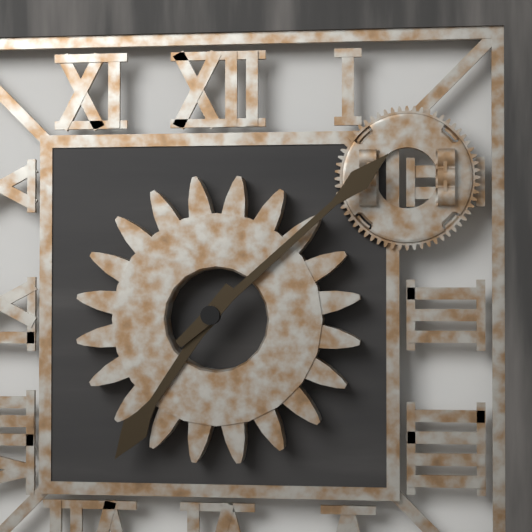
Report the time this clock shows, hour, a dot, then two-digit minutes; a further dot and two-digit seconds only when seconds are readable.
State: 7.08
